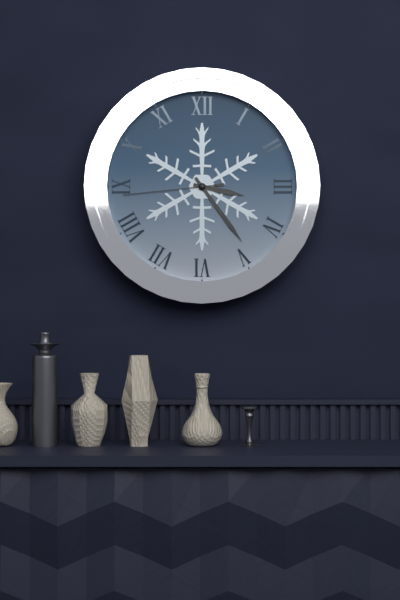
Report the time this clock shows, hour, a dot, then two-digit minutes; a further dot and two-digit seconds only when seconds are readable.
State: 3.24.44
